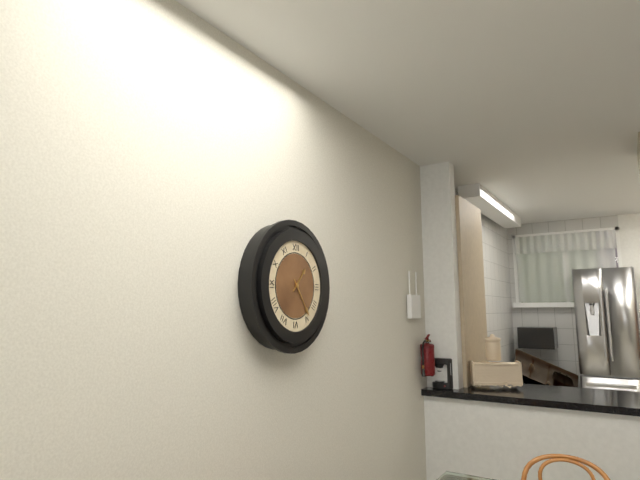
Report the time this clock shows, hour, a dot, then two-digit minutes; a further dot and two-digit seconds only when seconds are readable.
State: 1.24
